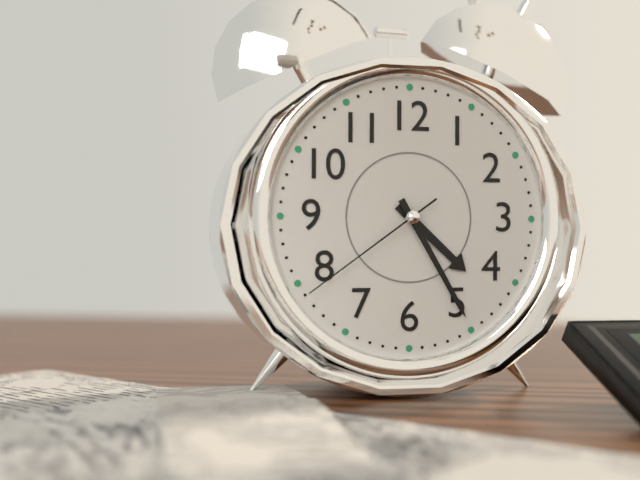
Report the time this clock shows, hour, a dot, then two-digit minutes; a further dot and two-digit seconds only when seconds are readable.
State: 4.25.39
